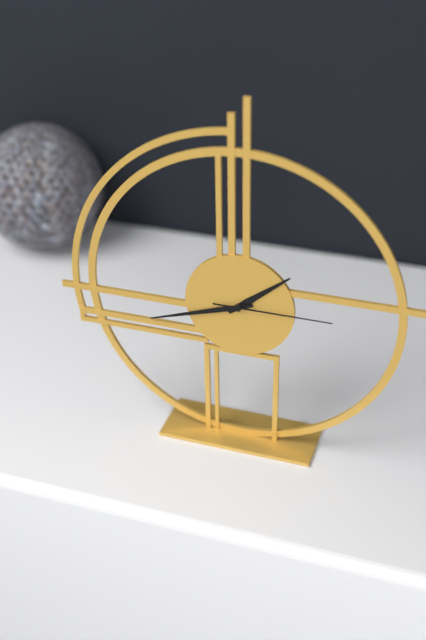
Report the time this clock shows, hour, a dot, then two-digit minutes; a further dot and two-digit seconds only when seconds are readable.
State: 1.42.15
